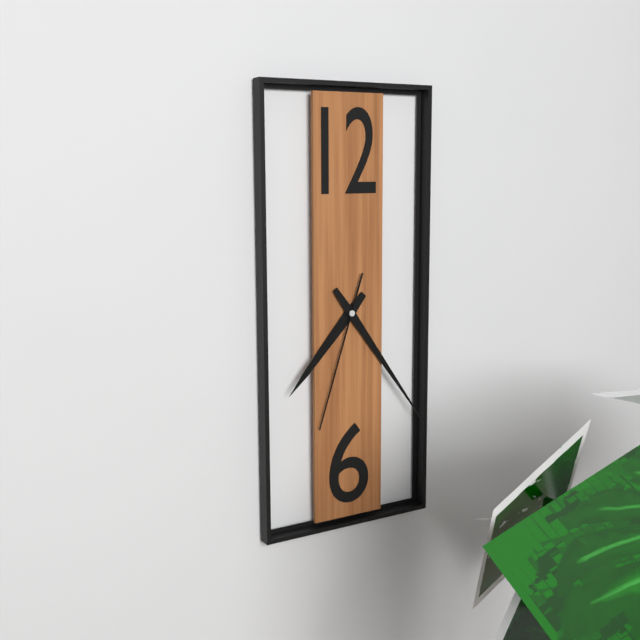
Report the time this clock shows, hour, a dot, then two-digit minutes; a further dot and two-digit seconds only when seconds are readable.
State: 7.24.33
